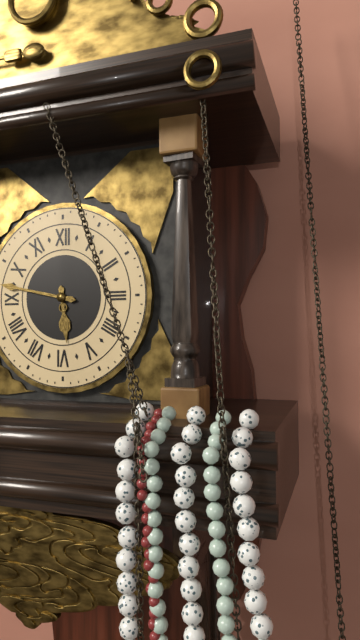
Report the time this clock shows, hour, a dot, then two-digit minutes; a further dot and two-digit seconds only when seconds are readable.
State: 5.47
